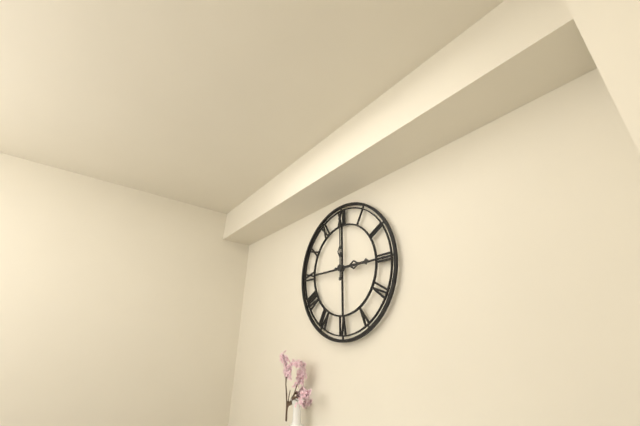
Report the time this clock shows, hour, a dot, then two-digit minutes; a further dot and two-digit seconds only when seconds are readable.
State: 3.00
